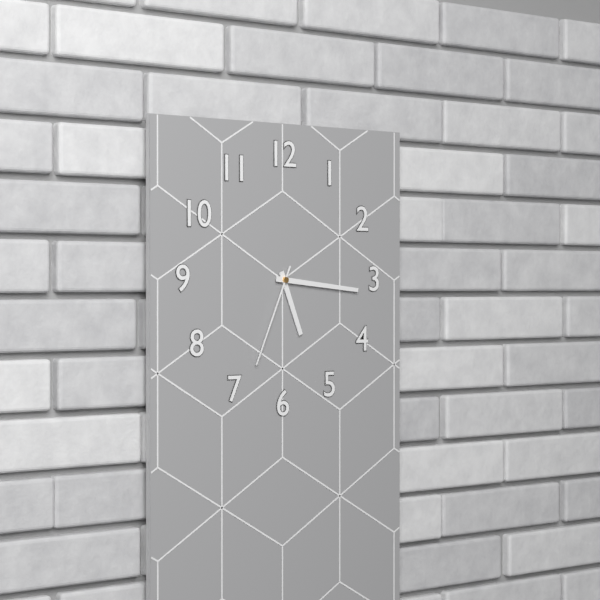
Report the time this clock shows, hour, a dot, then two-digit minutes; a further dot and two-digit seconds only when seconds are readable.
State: 5.16.34
